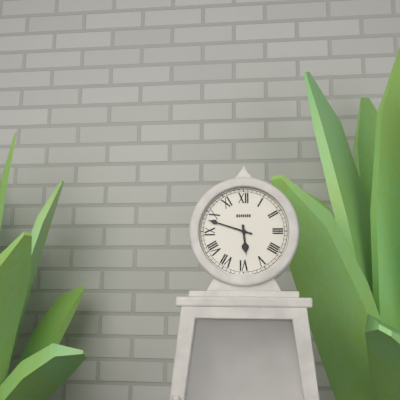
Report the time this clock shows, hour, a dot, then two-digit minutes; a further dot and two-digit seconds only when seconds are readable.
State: 5.48
